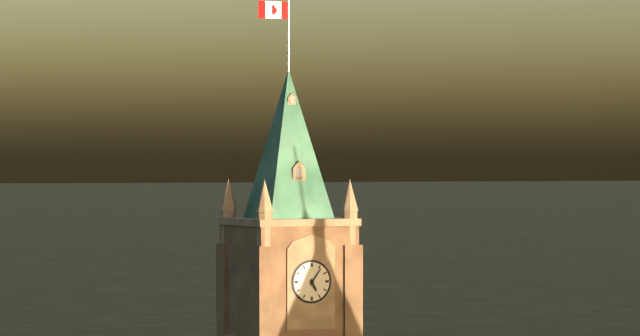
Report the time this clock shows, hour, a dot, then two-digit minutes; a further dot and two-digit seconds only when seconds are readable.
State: 5.06
